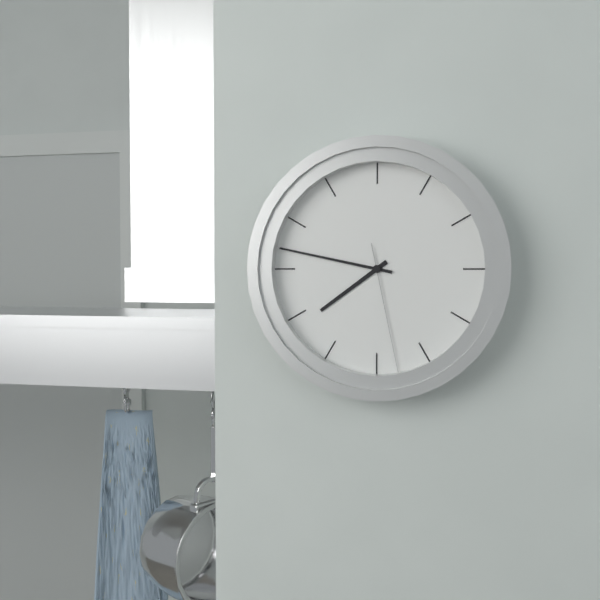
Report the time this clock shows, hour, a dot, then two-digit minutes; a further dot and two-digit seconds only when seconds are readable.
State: 7.47.28
